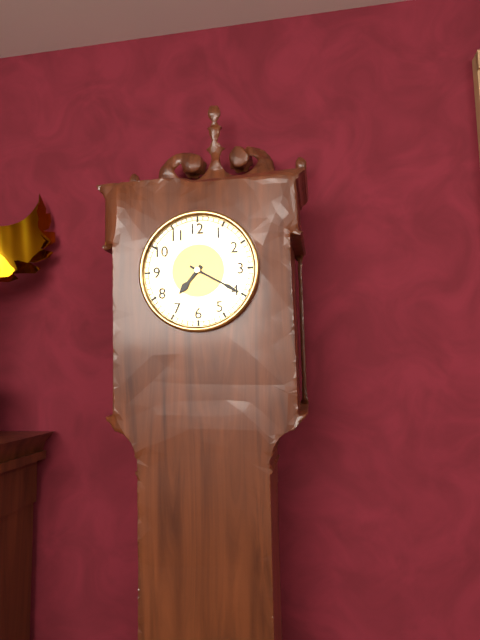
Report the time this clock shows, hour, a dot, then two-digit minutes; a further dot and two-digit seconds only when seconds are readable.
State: 7.20
